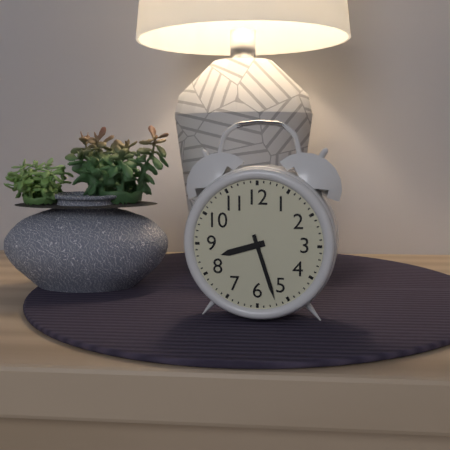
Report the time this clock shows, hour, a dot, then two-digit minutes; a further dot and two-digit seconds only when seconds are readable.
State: 8.27
